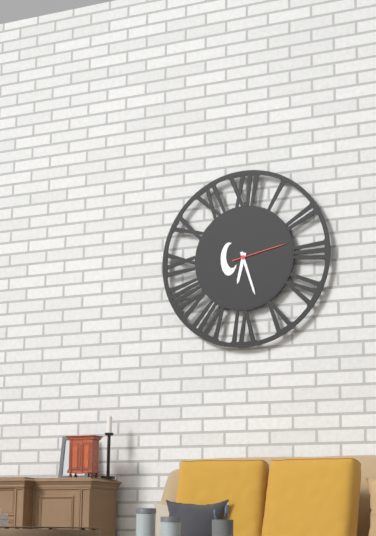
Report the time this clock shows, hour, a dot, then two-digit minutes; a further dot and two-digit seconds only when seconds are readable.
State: 6.27.13
